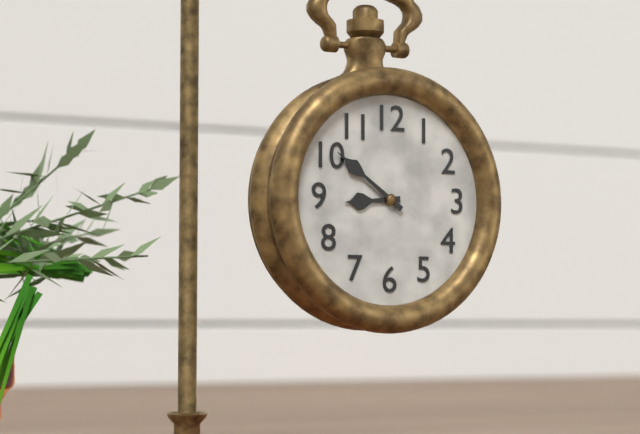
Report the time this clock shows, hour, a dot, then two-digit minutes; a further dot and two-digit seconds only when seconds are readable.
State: 8.51
